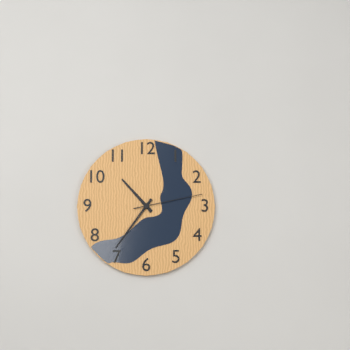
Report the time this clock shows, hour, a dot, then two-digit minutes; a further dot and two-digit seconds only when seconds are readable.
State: 10.36.13
